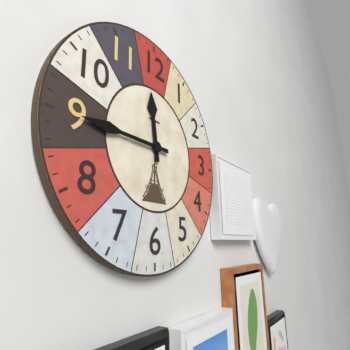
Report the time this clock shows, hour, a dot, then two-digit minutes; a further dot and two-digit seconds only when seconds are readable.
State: 11.45
